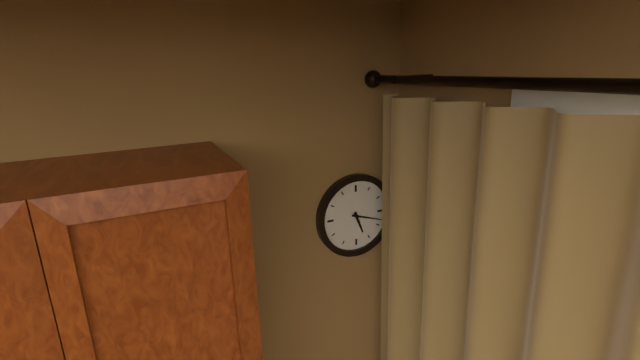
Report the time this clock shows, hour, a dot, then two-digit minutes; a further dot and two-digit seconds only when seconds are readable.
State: 5.18
